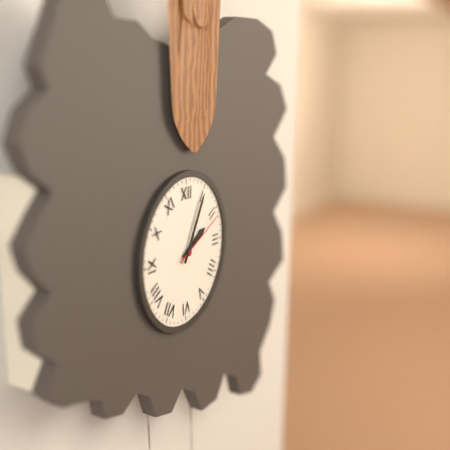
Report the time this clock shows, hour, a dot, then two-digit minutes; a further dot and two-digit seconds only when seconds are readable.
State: 2.05.11
